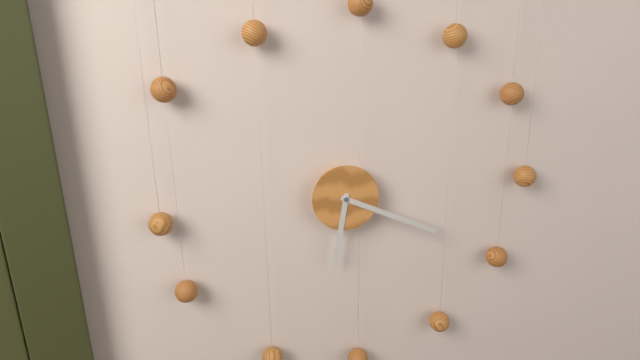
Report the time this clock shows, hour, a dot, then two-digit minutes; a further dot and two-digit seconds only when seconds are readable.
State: 6.19
